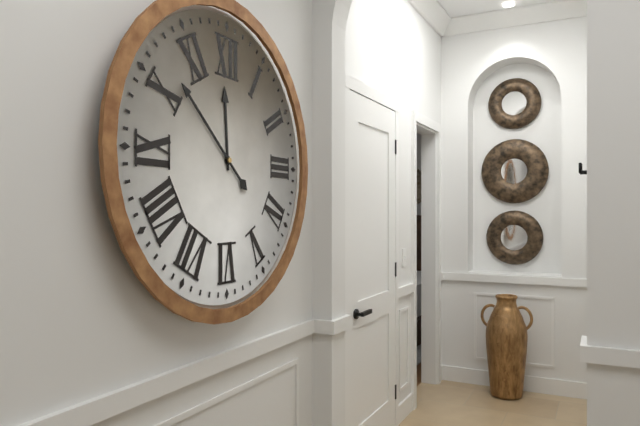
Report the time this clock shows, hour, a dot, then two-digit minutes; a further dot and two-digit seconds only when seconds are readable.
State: 11.52
